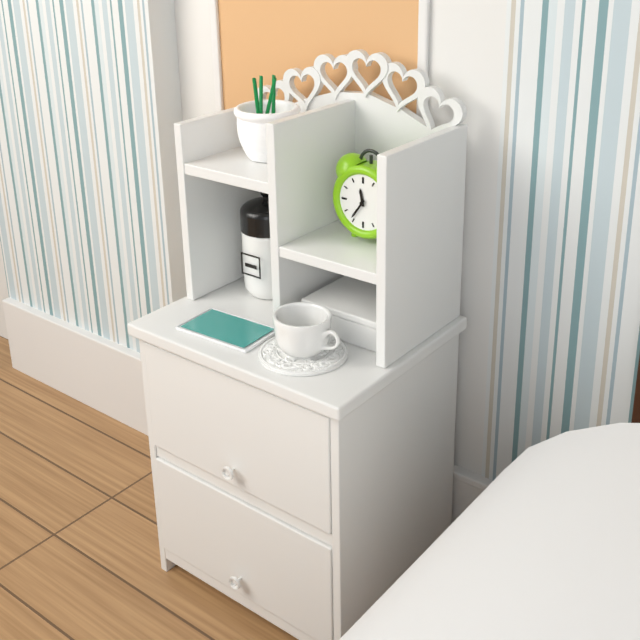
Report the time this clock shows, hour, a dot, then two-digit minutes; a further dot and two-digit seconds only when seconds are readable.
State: 11.36
